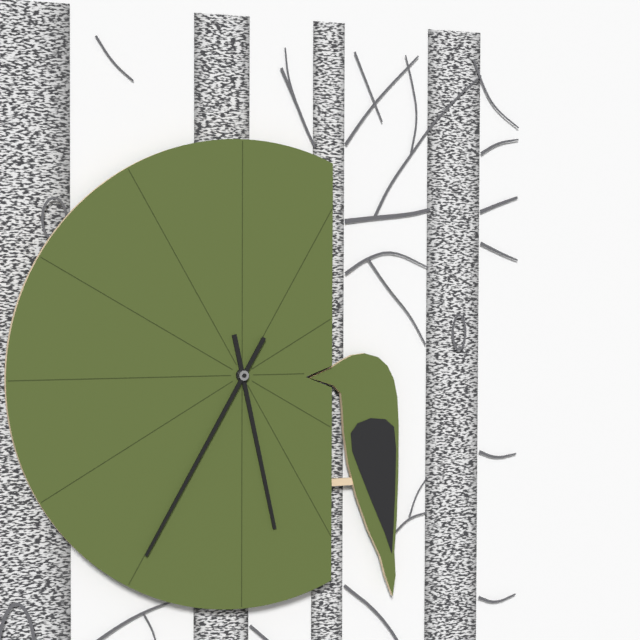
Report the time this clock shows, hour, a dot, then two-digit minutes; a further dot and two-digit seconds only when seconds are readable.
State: 5.35
